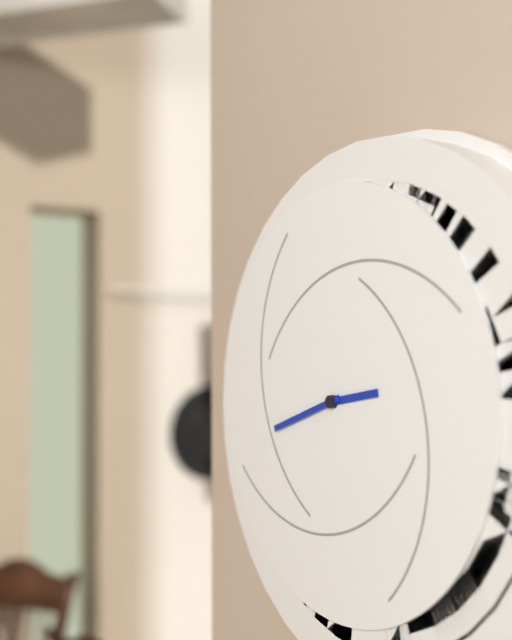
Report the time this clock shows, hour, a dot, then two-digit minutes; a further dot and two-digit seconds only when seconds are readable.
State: 2.42
